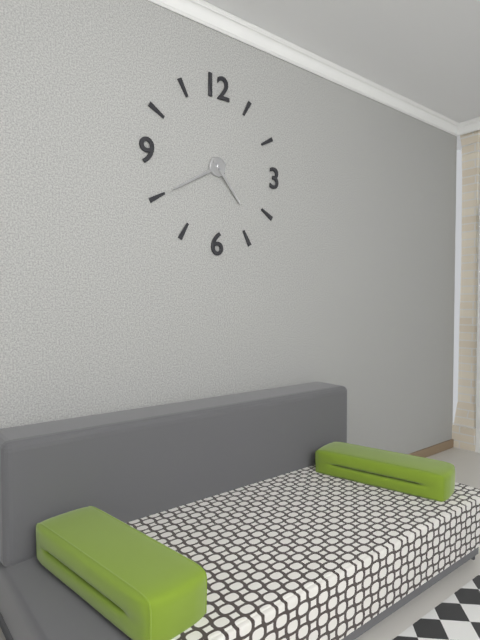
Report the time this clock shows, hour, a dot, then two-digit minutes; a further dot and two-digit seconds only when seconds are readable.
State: 4.40
